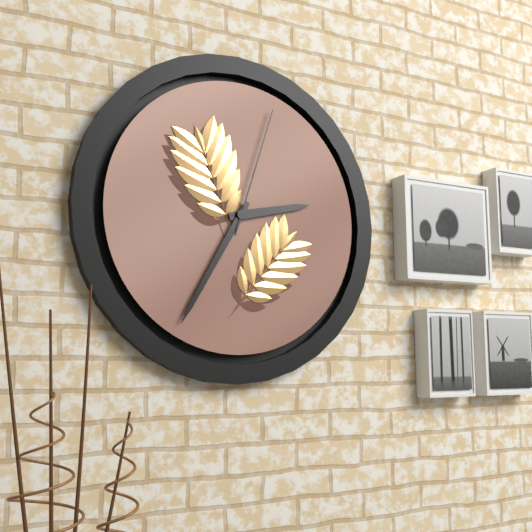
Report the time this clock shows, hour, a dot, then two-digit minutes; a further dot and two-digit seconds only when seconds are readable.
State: 2.35.03
